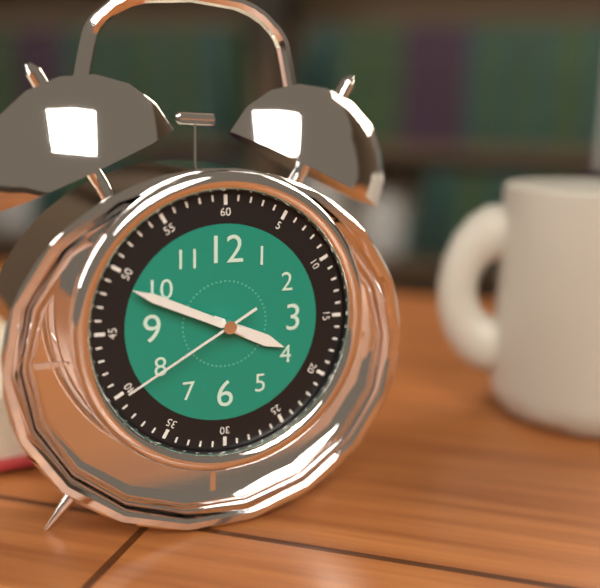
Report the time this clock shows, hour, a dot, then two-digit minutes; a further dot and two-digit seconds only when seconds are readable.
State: 3.49.40
